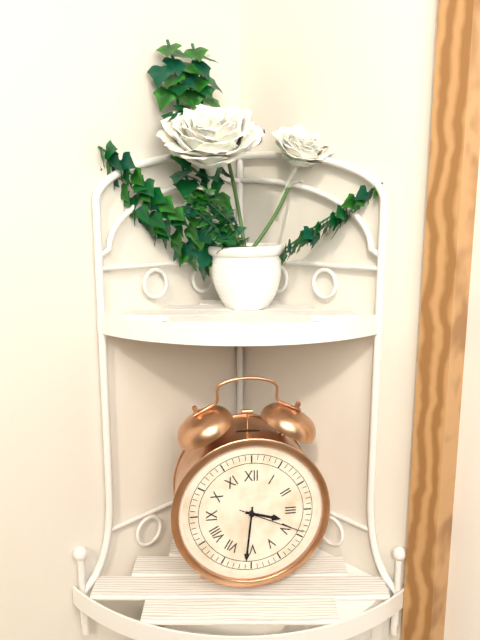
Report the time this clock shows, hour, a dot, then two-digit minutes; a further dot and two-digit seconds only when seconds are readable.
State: 3.31.19
